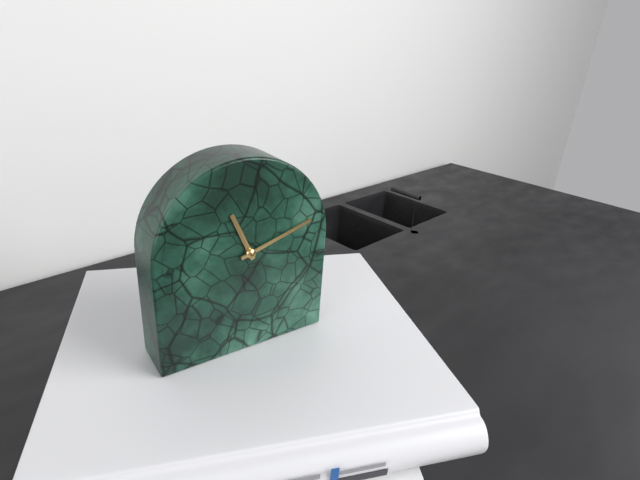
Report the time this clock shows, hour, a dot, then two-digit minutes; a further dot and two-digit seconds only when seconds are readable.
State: 11.12
